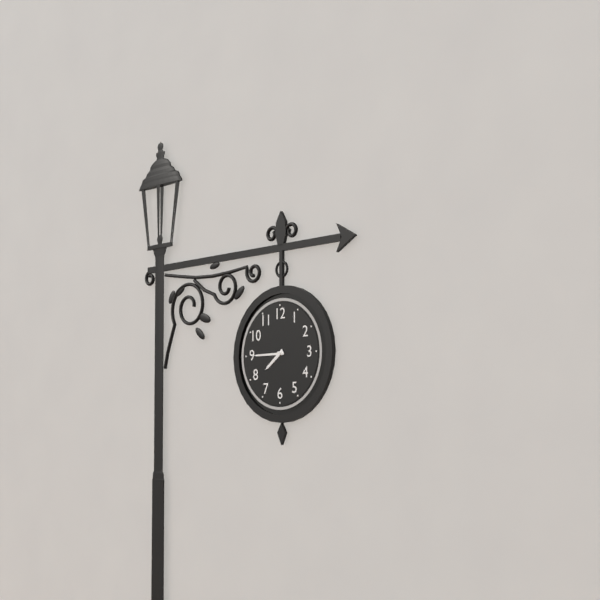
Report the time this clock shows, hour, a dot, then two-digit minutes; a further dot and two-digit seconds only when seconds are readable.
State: 7.45
